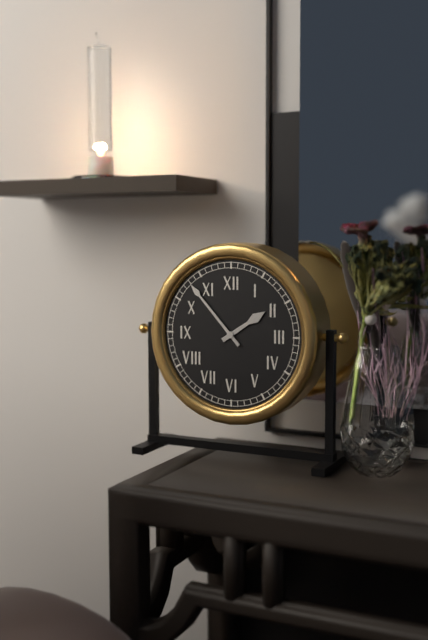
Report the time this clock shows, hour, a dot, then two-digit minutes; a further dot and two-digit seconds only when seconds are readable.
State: 1.53
